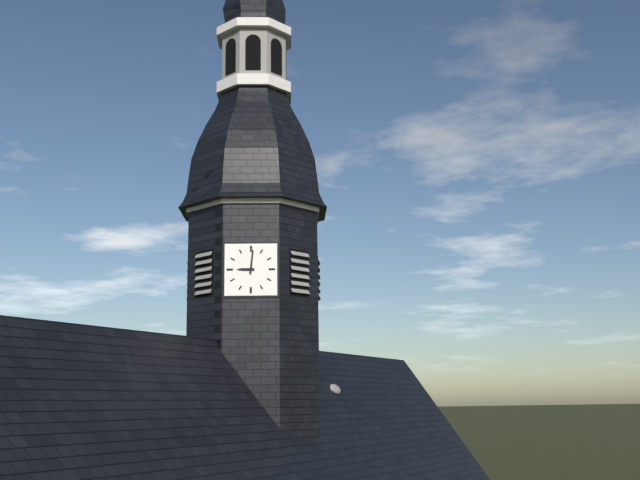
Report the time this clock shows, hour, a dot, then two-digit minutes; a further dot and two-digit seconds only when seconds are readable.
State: 9.01
